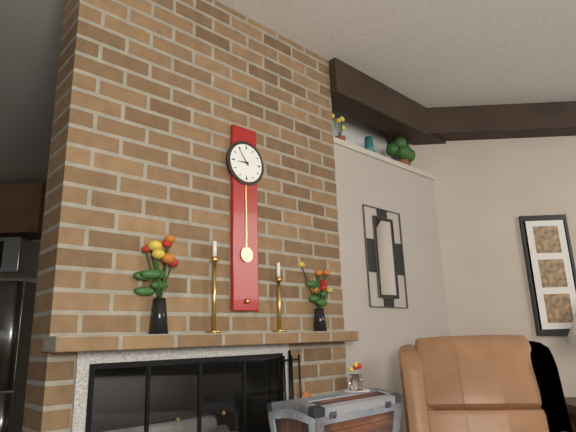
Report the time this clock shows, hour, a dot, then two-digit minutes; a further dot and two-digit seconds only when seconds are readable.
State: 8.54
